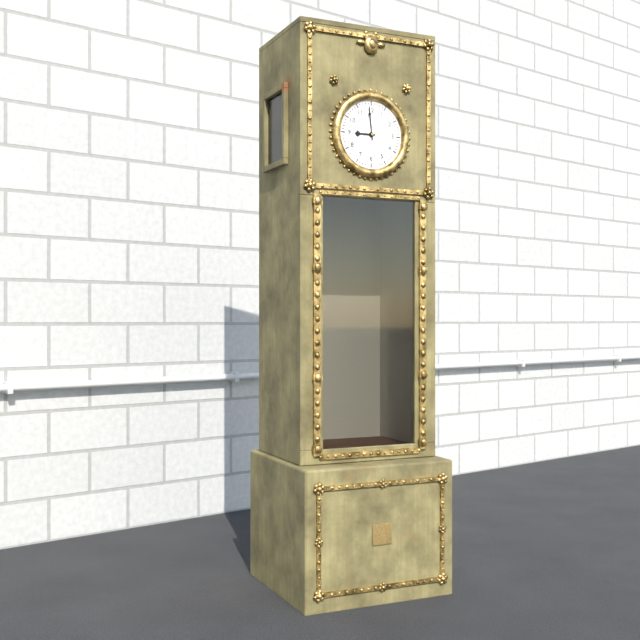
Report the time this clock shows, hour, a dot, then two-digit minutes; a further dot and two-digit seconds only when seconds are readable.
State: 8.59
